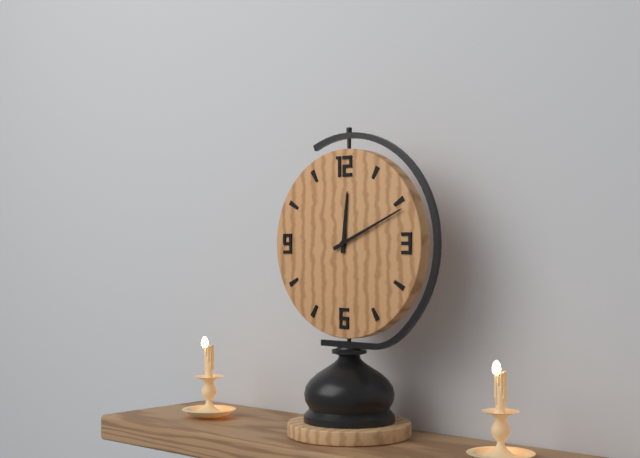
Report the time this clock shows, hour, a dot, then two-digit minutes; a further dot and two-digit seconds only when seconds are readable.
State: 12.11
